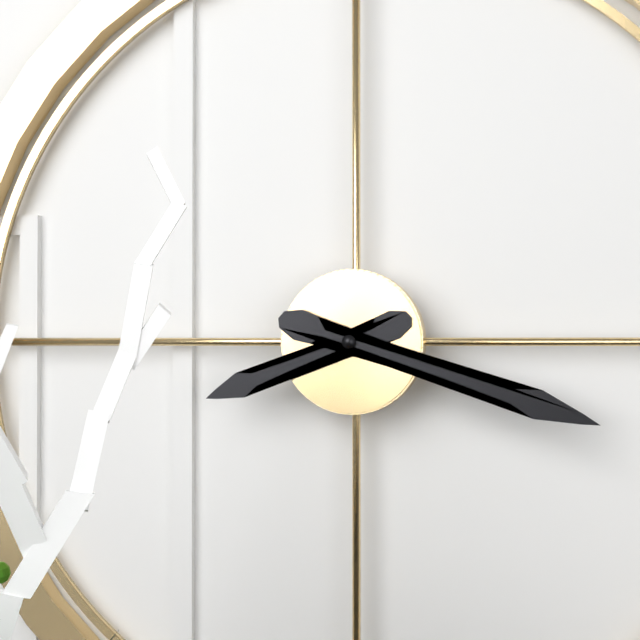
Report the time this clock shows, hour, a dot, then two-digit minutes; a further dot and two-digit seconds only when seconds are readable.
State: 8.18
